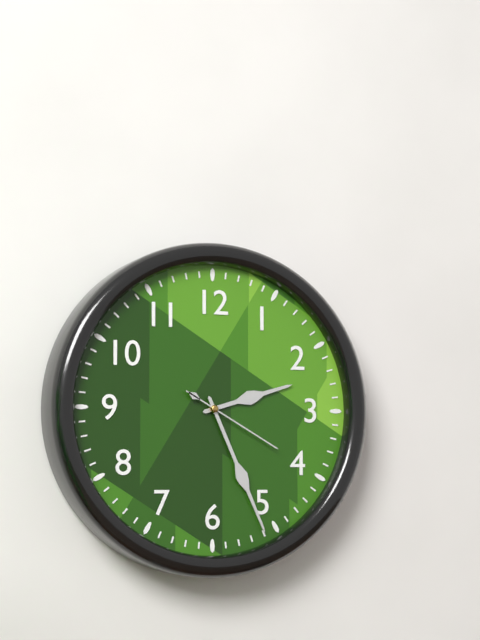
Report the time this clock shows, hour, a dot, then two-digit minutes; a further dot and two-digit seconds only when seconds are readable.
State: 2.26.20
